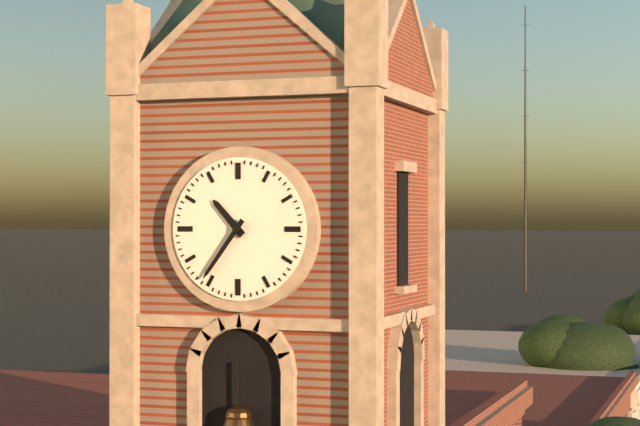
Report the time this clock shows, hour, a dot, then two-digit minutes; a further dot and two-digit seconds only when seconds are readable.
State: 10.36
